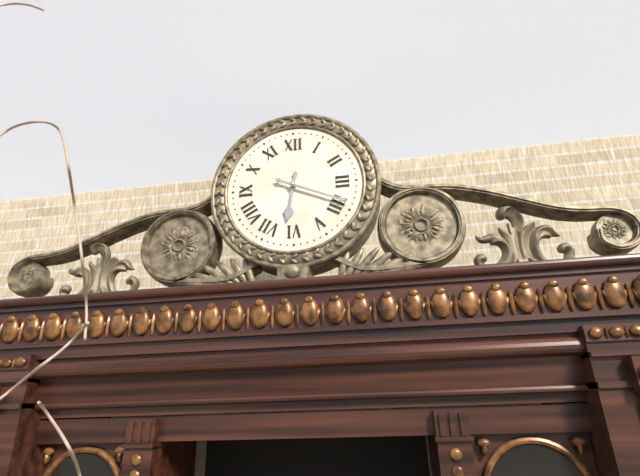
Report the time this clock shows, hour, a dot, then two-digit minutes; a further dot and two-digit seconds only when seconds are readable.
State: 6.19
